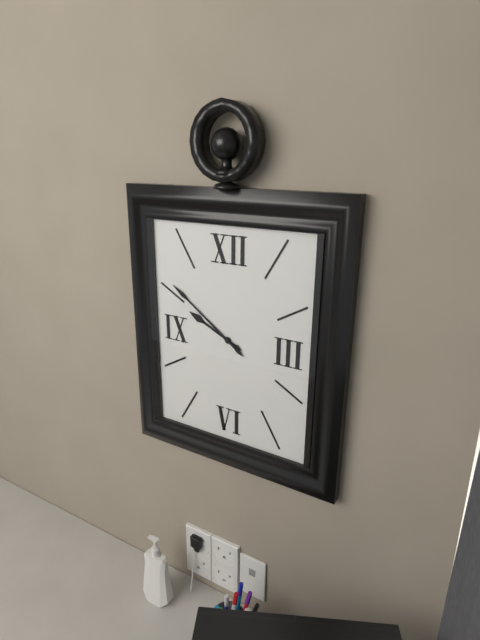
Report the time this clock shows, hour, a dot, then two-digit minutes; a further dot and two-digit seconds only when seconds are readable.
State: 9.51
